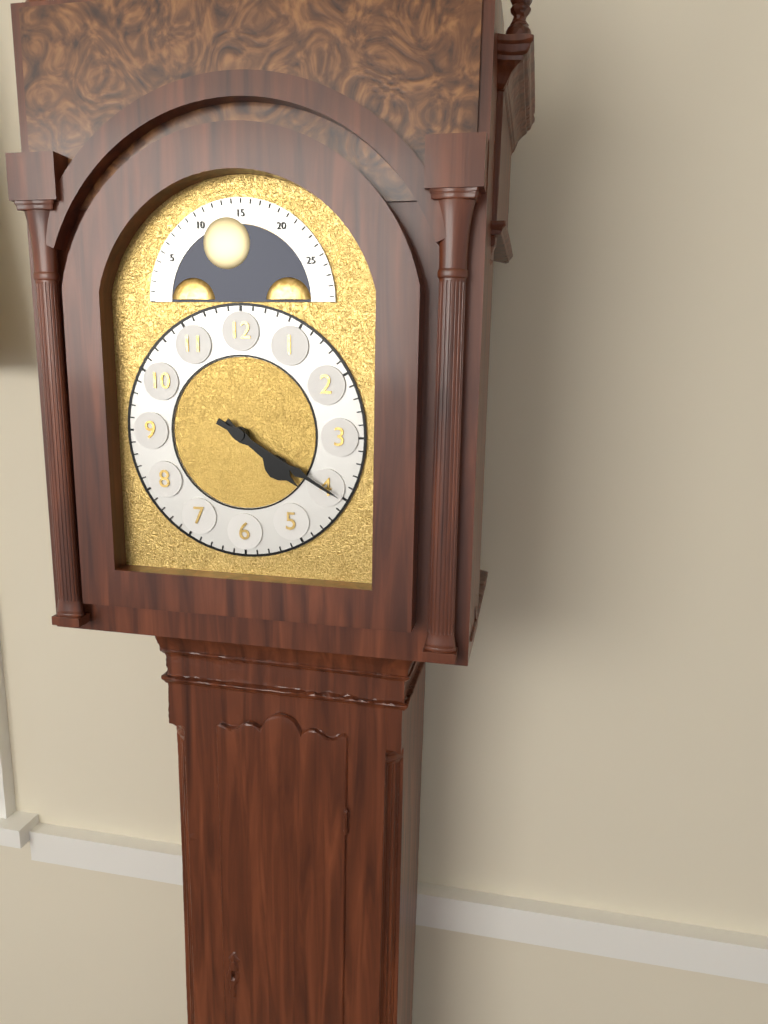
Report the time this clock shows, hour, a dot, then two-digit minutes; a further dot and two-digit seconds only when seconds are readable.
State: 4.20
